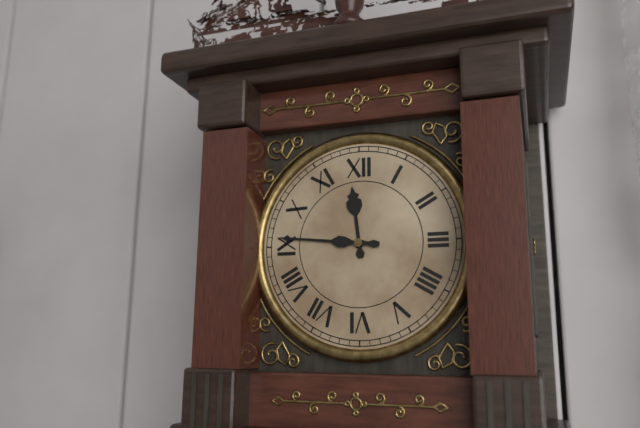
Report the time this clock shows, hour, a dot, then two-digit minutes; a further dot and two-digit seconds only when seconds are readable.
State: 11.46
